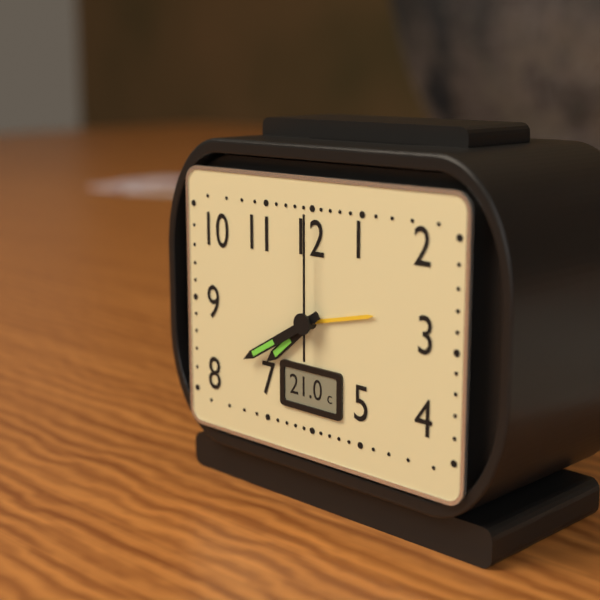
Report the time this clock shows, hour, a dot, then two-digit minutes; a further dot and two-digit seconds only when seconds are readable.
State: 7.40.00
